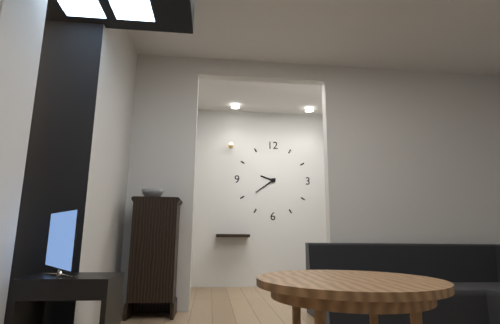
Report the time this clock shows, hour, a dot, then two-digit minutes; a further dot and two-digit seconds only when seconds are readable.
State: 9.39
